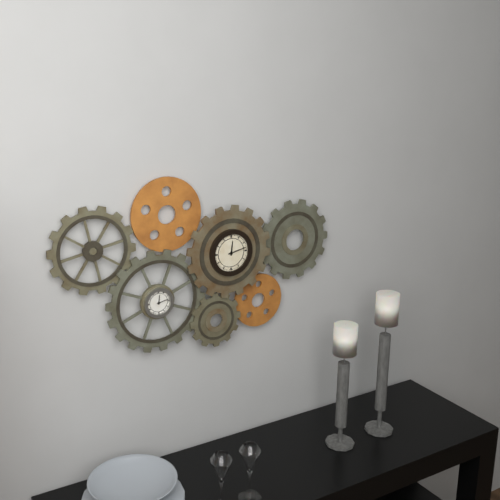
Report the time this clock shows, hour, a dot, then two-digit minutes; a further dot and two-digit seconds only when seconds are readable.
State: 12.13
